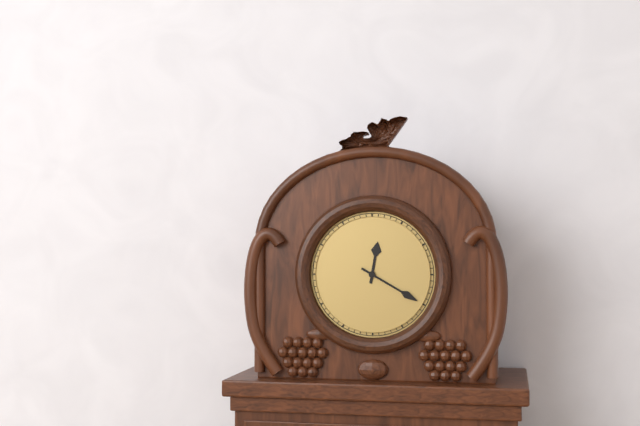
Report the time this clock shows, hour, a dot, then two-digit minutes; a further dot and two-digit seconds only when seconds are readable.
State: 12.20
